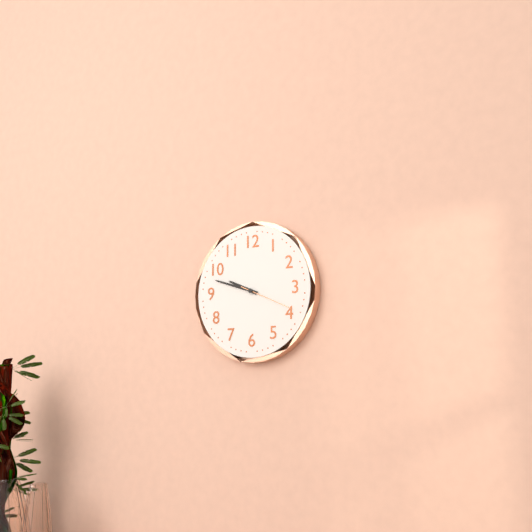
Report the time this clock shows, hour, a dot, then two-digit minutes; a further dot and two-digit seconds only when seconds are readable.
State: 9.48.19
